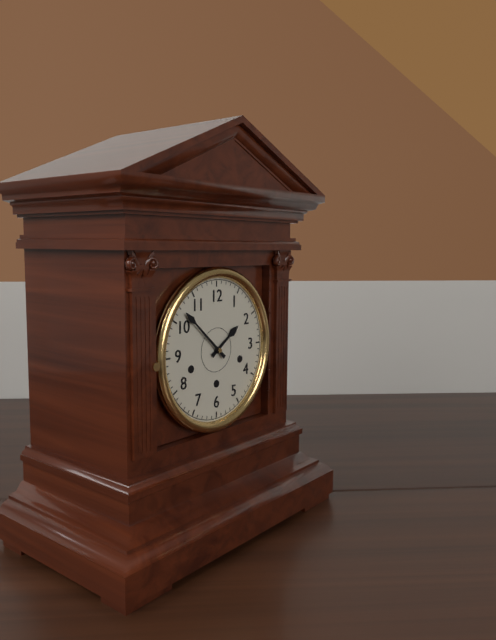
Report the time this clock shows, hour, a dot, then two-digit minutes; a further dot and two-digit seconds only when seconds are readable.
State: 1.52
